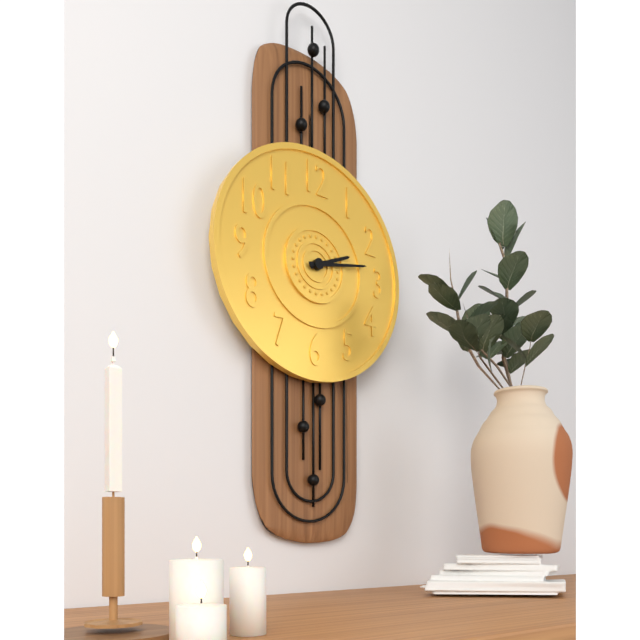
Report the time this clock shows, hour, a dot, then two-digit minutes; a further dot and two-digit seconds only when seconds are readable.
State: 2.13
